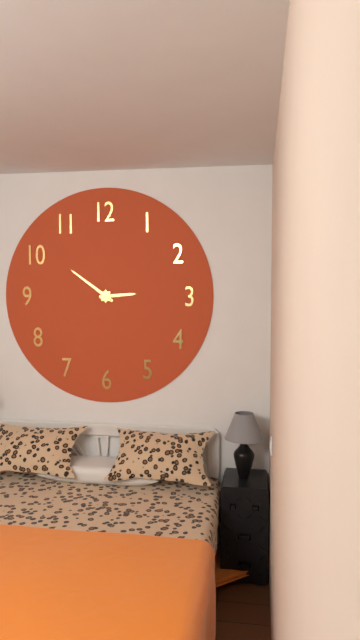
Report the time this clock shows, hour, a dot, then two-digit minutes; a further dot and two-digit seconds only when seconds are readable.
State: 2.51
